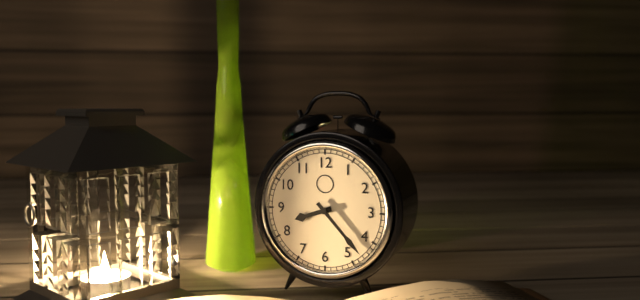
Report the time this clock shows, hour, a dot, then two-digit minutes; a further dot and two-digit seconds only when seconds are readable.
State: 8.23
